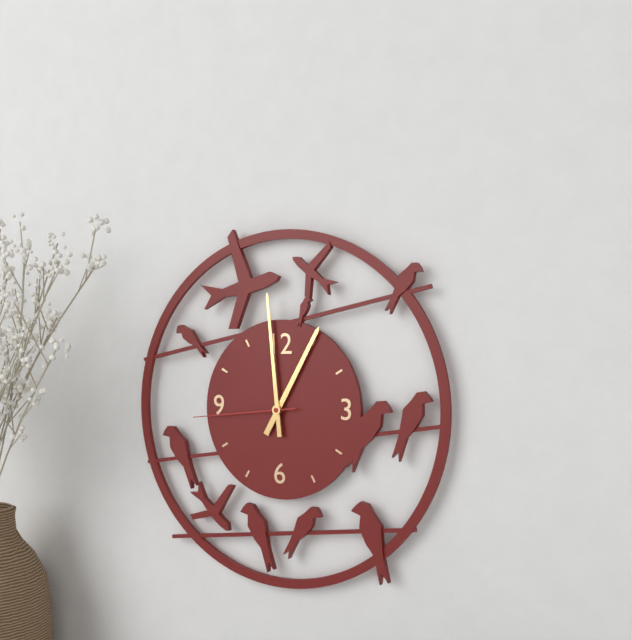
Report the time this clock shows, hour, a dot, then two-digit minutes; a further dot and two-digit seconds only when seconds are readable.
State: 12.59.44
